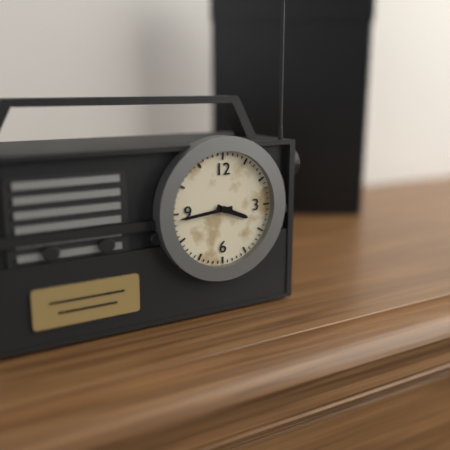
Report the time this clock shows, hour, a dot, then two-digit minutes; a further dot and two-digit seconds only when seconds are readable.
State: 3.44
